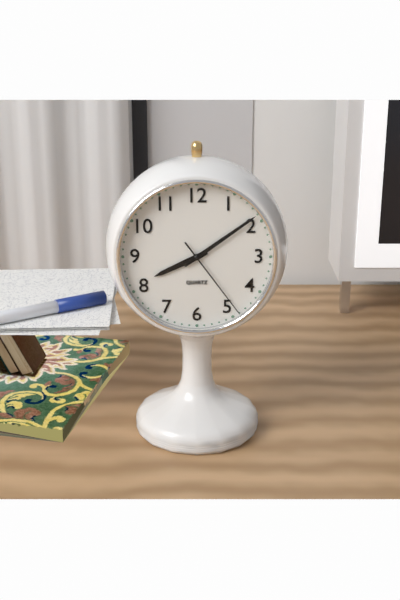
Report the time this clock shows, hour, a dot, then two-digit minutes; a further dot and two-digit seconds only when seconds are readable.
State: 8.09.24
